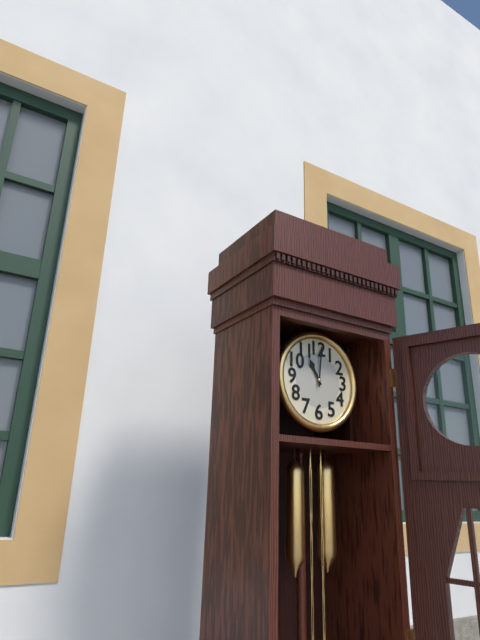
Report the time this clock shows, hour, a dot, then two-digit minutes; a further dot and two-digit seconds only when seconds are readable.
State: 11.01
